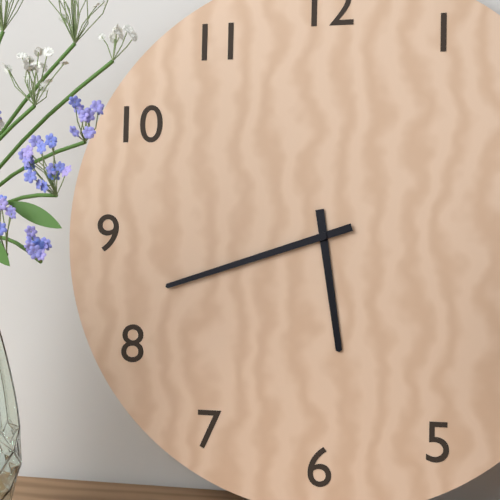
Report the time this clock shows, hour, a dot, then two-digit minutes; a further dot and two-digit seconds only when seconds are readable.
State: 5.42
